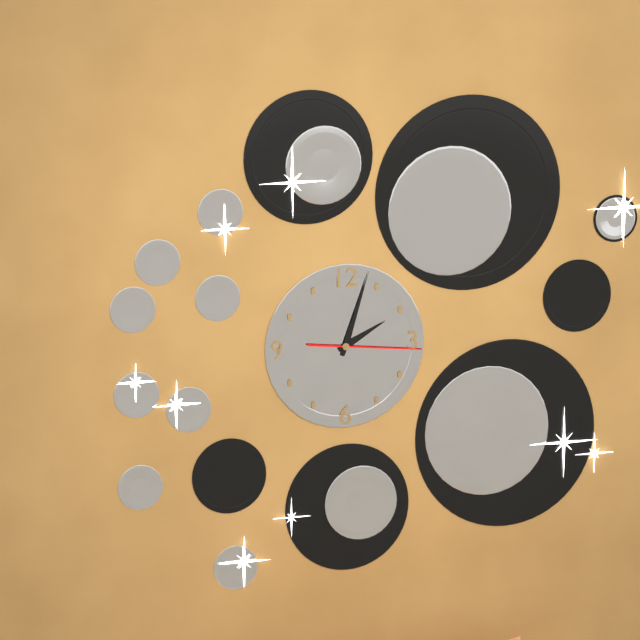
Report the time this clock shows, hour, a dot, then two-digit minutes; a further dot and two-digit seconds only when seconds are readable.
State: 2.03.16
